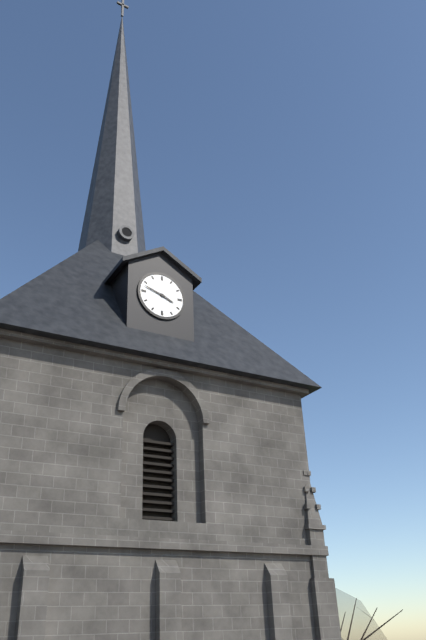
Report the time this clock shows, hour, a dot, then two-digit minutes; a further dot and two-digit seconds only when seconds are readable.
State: 3.48
